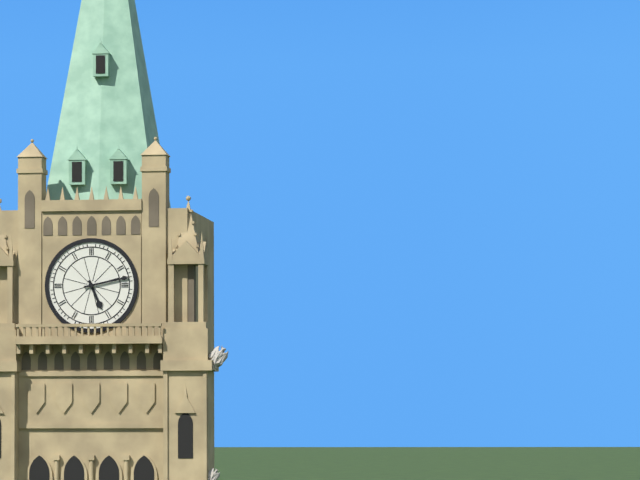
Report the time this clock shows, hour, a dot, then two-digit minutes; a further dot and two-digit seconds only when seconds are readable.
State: 5.13
